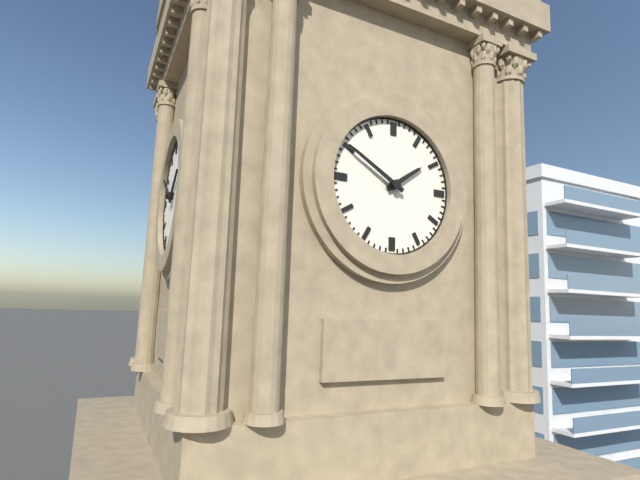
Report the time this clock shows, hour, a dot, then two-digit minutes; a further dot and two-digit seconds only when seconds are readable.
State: 1.50
